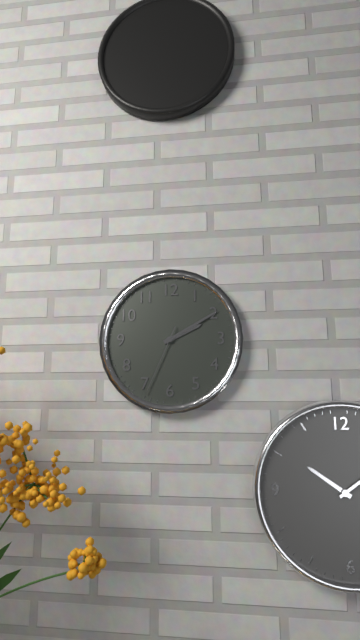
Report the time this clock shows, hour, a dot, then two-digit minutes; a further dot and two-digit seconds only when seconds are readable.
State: 2.10.34
